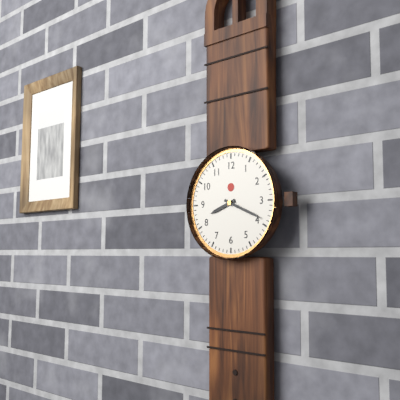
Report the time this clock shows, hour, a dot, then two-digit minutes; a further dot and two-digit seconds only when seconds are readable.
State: 8.19
